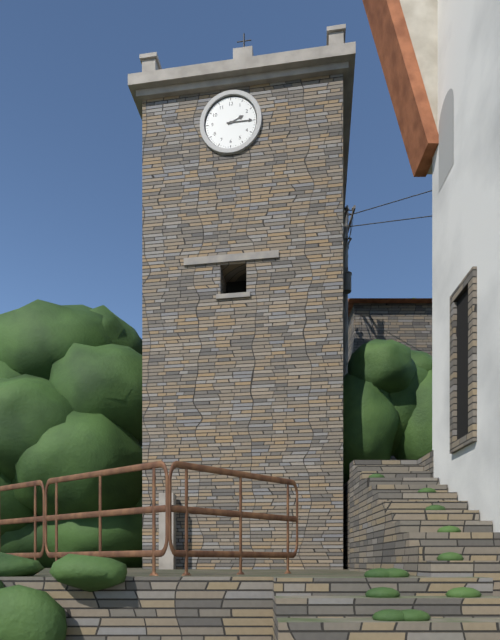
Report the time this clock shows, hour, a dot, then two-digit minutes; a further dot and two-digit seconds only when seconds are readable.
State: 2.15
